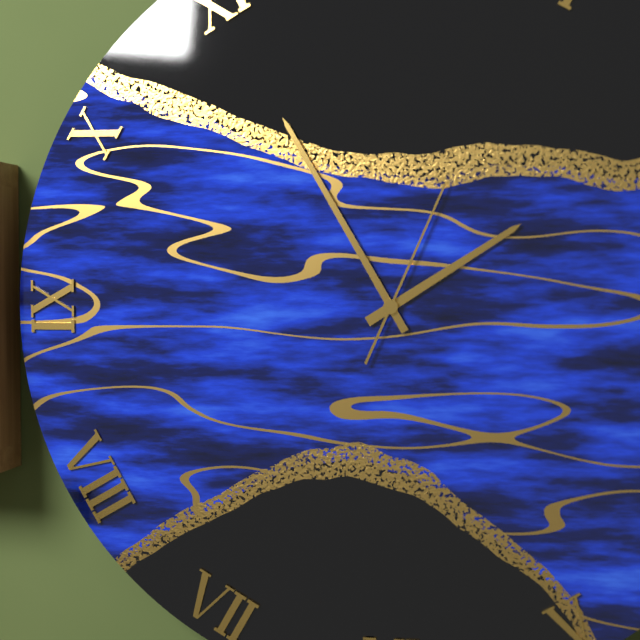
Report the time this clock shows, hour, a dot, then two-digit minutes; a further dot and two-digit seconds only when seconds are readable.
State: 1.55.04
